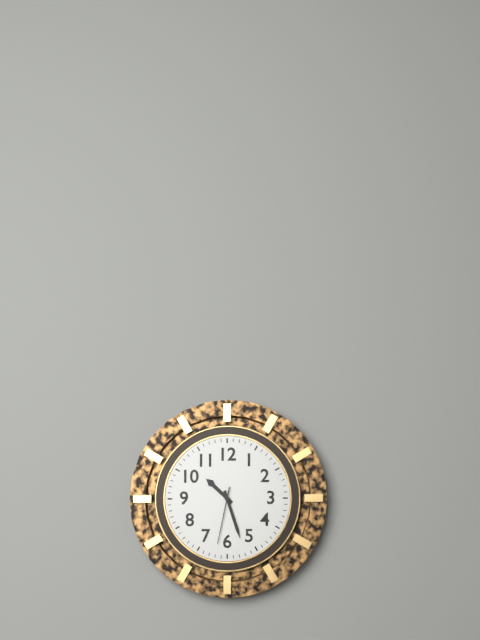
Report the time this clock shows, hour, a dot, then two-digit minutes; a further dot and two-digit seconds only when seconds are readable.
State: 10.27.32
